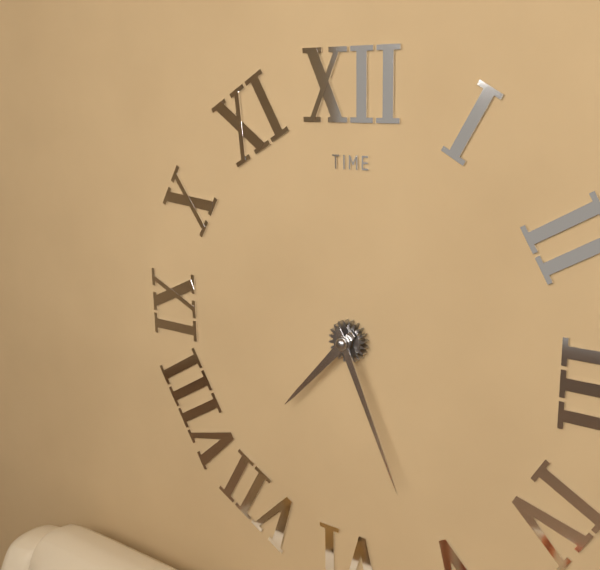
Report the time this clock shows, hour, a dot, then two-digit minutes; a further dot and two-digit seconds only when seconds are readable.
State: 7.26
